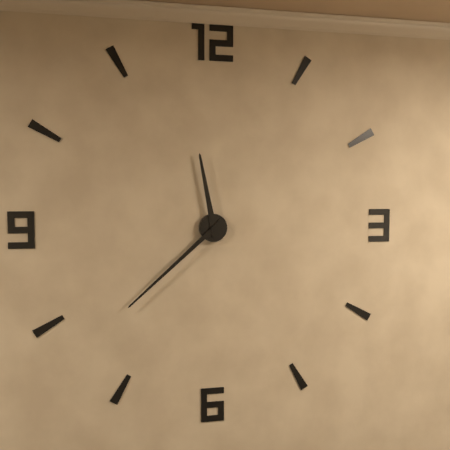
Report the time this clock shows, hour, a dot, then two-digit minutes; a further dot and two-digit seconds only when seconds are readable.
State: 11.38
